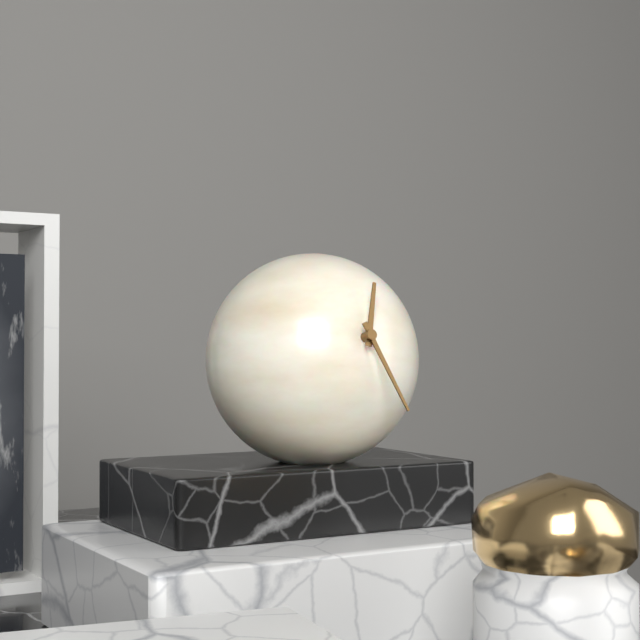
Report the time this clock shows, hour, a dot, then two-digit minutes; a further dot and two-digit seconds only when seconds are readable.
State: 12.26
